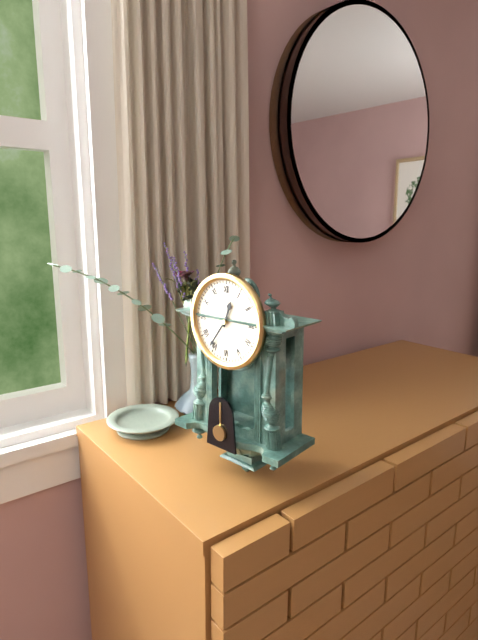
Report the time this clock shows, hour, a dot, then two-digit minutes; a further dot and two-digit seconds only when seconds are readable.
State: 12.36
